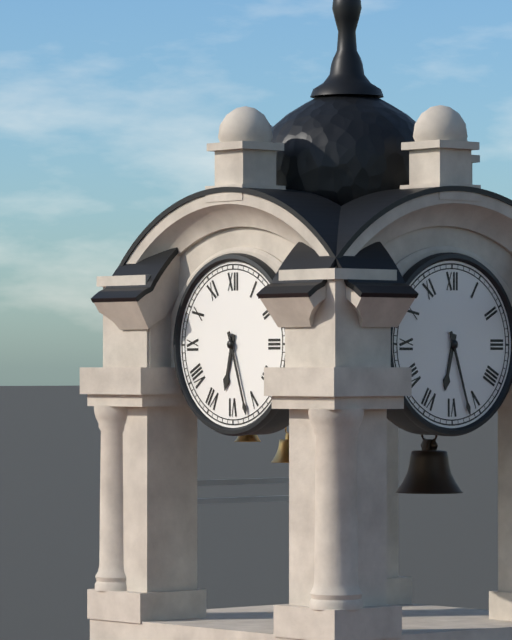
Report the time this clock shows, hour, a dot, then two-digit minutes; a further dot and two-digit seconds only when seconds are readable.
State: 6.27
